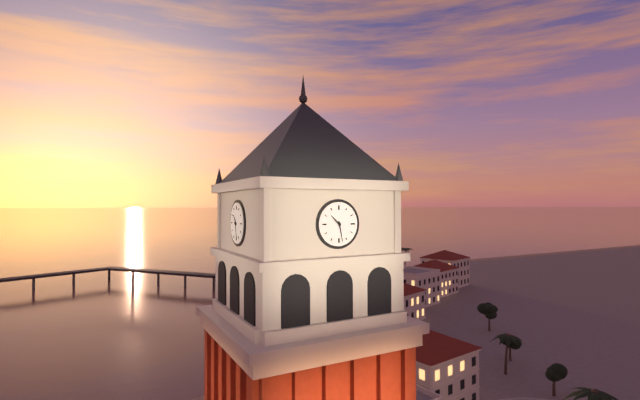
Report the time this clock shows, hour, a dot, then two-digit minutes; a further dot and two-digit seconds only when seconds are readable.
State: 10.28
